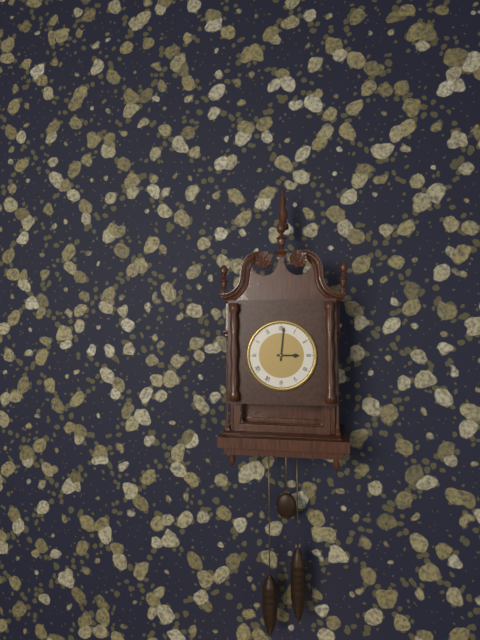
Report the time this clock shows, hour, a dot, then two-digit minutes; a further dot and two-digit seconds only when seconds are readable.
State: 3.01
